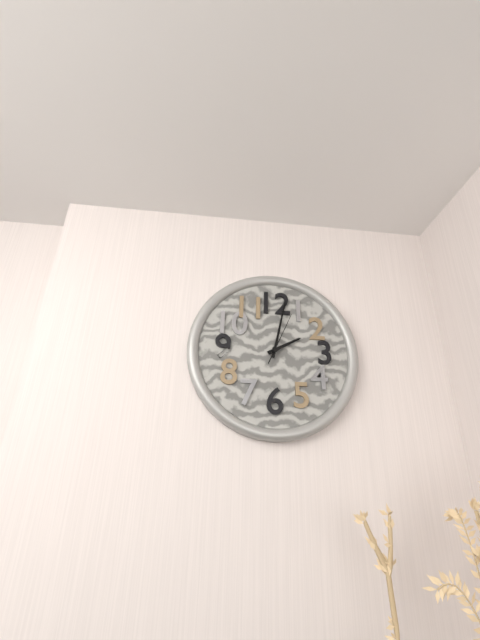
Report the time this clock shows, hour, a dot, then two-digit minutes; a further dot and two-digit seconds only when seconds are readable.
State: 2.02.04
